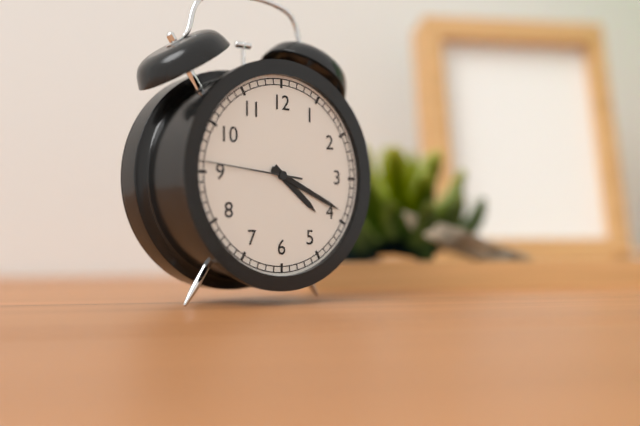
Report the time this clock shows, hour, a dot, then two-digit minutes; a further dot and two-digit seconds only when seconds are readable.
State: 4.19.46
